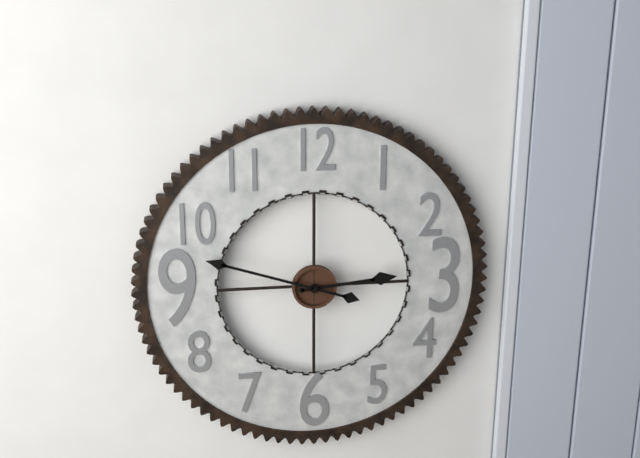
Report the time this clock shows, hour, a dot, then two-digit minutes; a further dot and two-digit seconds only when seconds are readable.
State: 2.48
